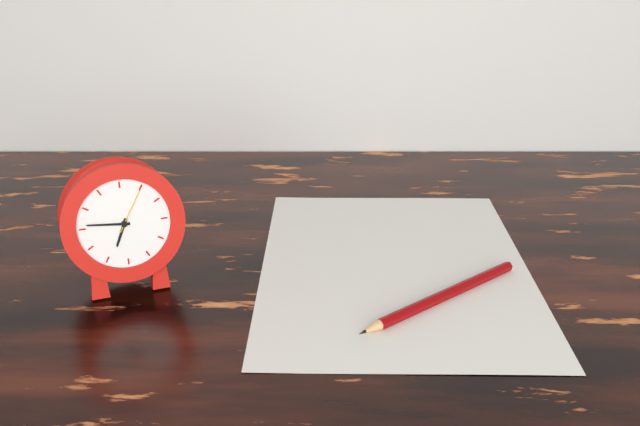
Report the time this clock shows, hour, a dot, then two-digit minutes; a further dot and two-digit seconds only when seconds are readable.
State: 6.46
